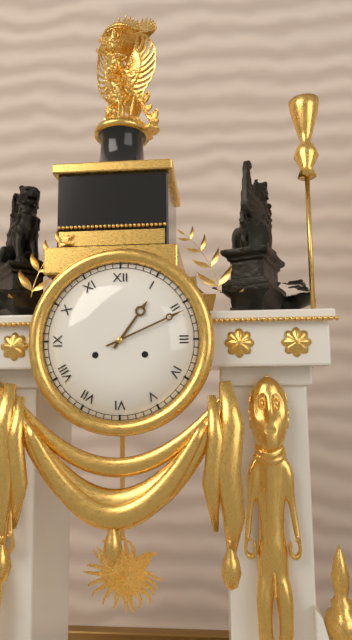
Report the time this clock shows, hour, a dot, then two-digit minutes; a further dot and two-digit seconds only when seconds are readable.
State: 1.11
